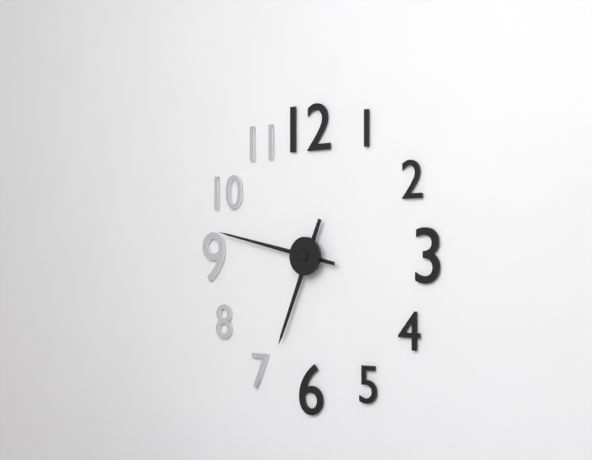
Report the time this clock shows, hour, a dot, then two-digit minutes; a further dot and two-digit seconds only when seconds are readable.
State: 6.47
